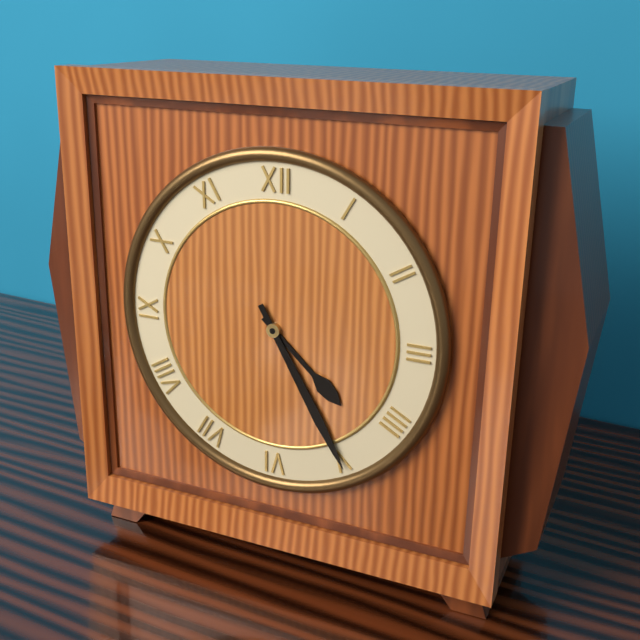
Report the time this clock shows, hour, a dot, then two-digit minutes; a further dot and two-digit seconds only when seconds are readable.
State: 4.25
